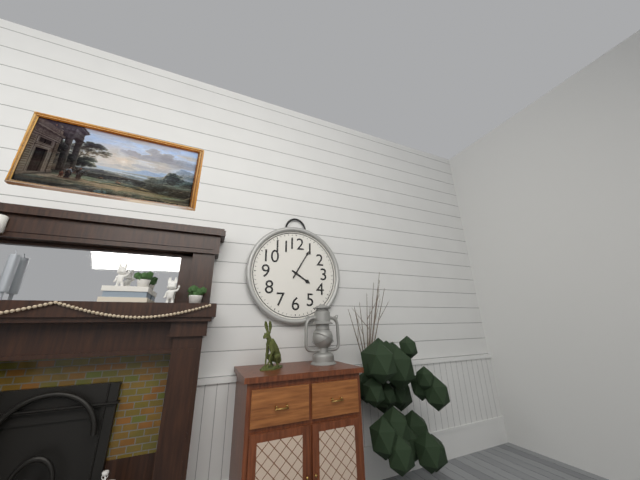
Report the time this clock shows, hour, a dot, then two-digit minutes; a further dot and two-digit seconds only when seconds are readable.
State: 4.05
